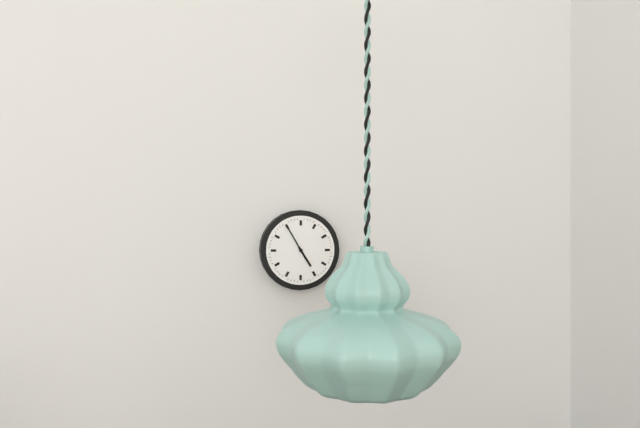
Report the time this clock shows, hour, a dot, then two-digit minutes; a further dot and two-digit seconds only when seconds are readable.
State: 4.55
